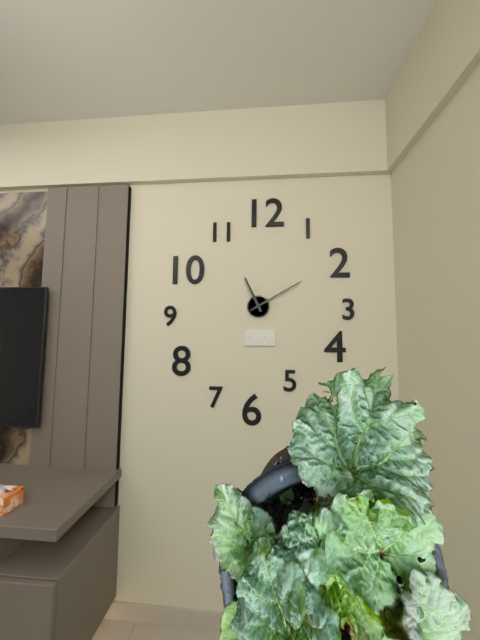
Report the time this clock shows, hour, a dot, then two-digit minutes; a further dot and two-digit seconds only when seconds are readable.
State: 11.10
